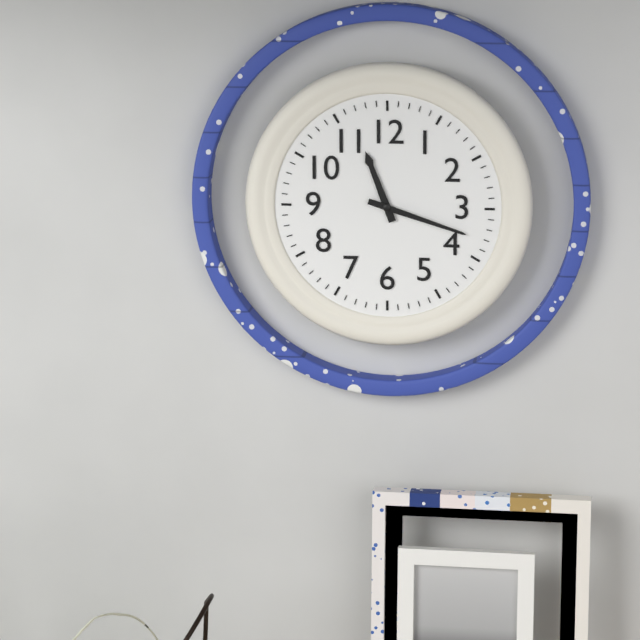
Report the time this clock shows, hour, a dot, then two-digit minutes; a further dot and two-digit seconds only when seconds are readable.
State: 11.18
